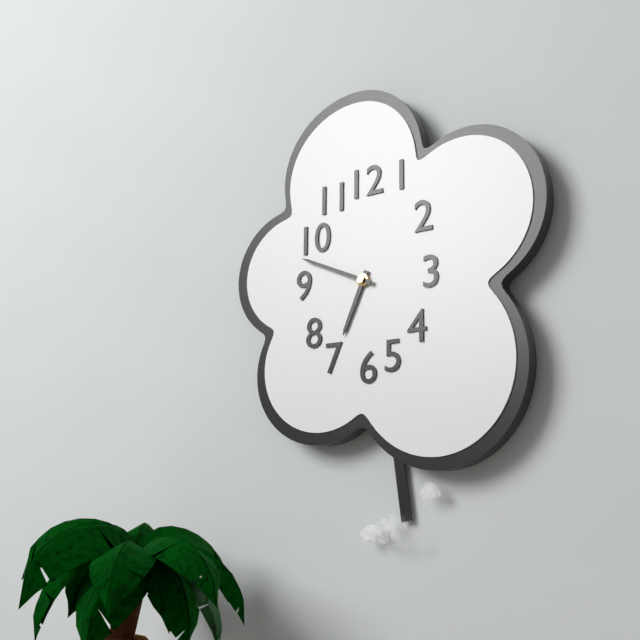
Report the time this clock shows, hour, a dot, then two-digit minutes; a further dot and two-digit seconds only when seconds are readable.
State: 6.49
